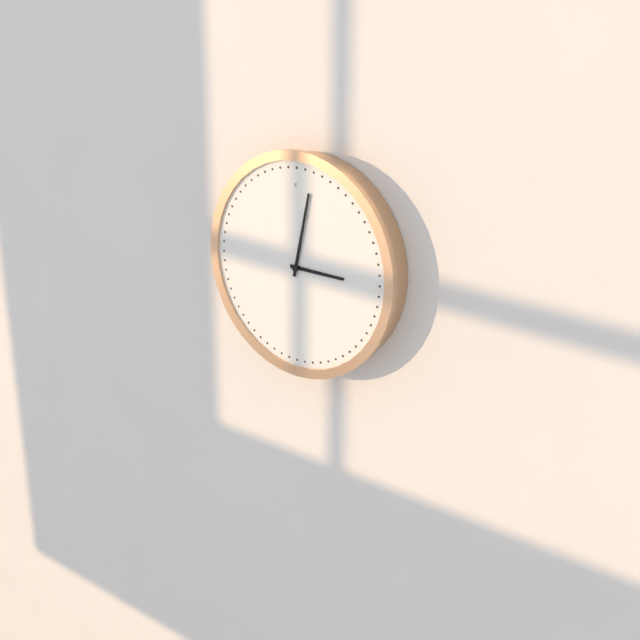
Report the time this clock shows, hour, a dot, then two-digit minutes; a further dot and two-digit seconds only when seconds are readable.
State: 3.02
